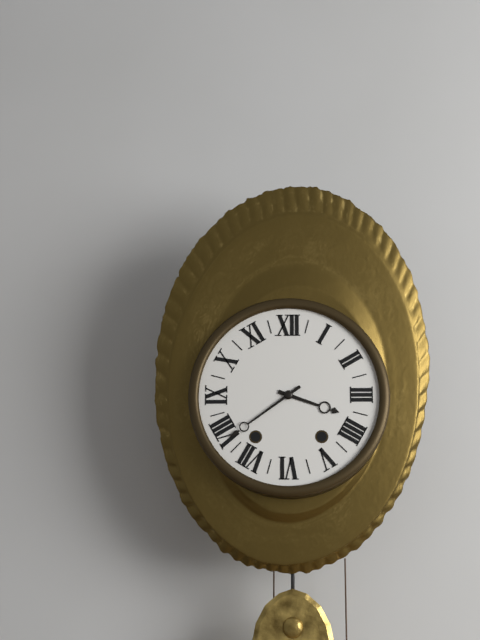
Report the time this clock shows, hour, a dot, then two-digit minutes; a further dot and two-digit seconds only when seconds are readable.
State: 3.39
